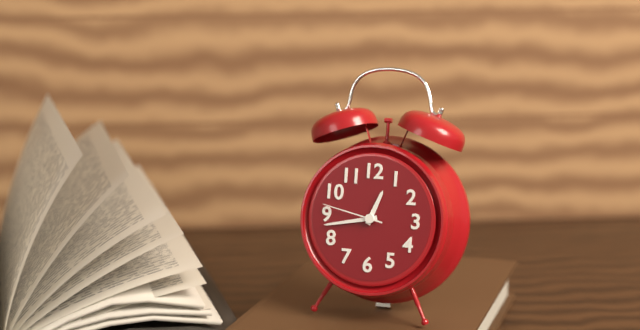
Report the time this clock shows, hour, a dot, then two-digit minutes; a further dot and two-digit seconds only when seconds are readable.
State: 12.43.47
